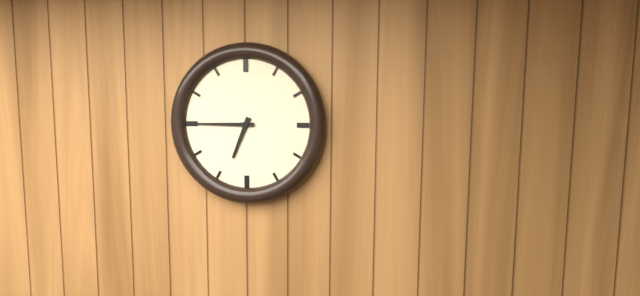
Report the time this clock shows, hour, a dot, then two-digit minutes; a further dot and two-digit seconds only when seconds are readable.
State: 6.45
